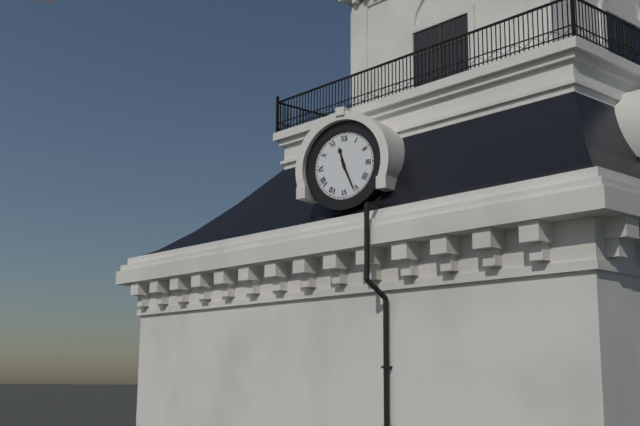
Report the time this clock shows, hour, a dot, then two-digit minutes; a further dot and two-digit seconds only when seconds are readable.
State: 11.26
